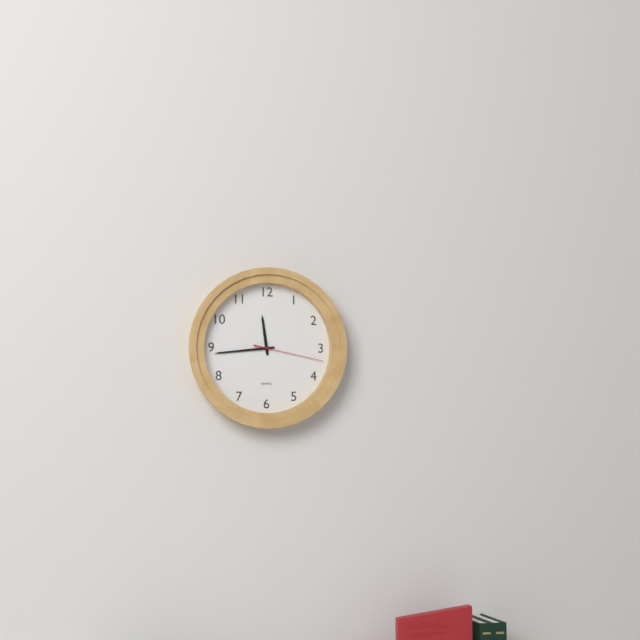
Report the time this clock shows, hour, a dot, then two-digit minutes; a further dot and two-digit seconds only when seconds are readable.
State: 11.44.17
